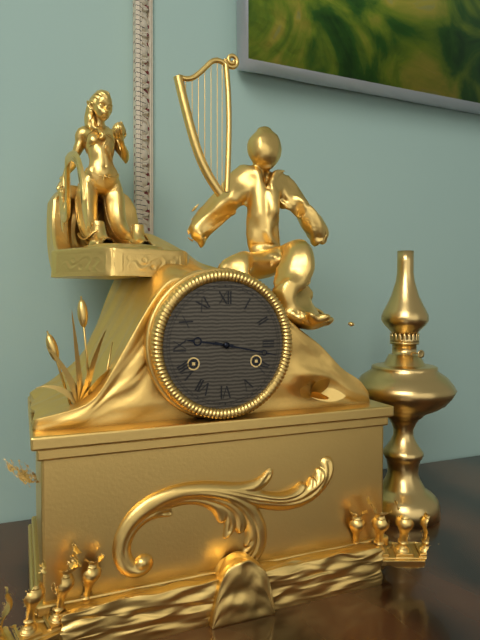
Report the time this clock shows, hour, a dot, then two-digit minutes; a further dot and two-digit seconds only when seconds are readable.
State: 9.17
